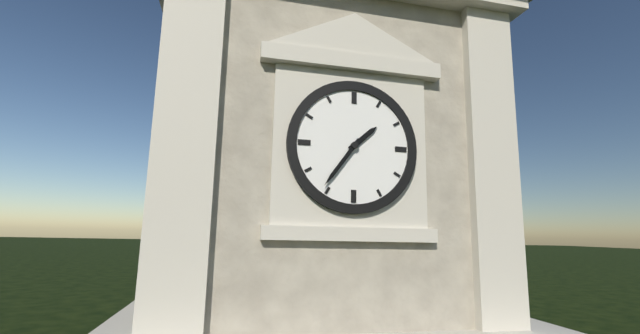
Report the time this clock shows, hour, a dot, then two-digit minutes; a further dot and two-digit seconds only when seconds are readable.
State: 1.36
